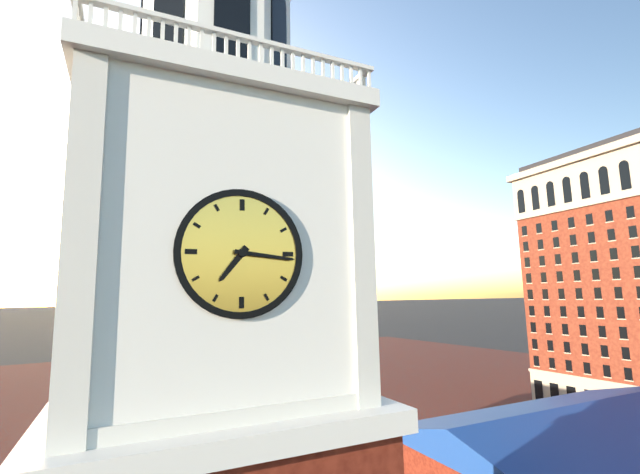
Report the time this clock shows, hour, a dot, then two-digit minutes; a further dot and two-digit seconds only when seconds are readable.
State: 7.16
